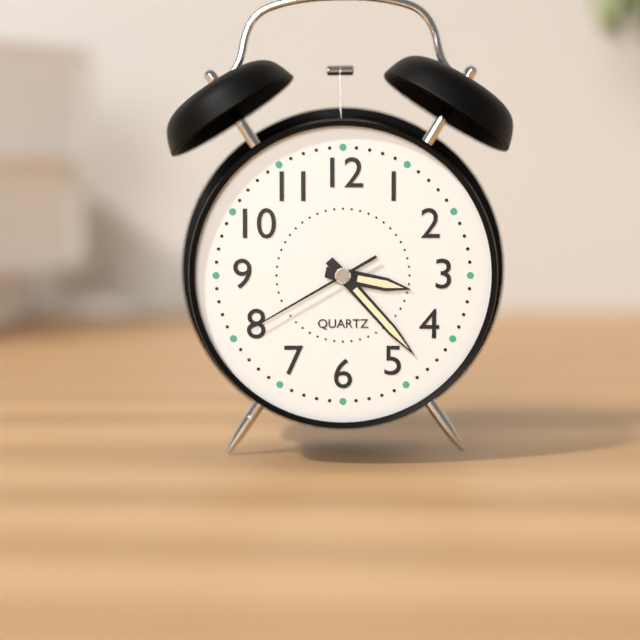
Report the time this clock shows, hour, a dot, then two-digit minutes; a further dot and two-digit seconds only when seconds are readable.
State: 3.23.40
